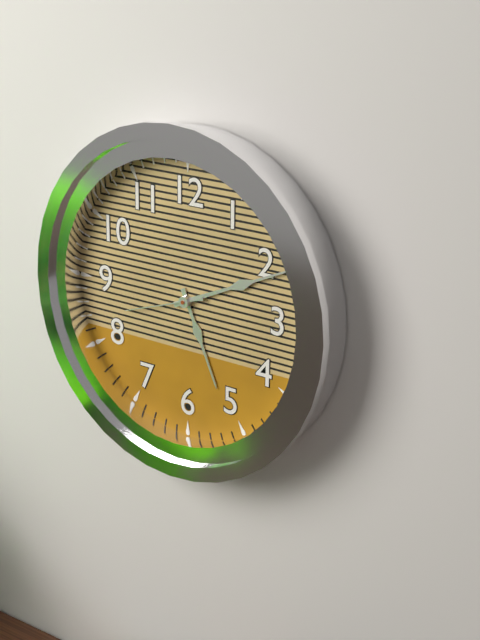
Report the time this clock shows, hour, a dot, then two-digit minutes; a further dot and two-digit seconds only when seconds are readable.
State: 5.11.42
